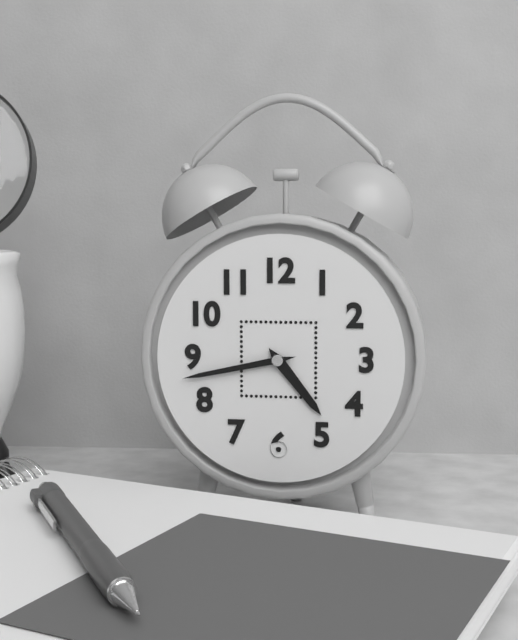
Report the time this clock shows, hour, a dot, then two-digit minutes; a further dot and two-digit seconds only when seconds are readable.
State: 4.43
